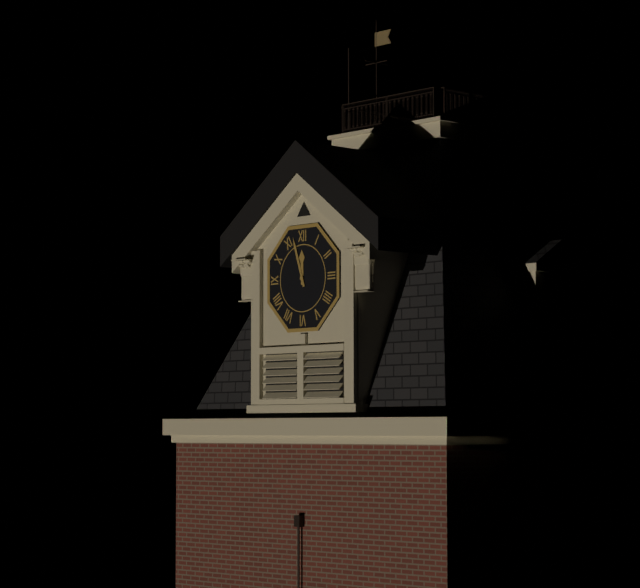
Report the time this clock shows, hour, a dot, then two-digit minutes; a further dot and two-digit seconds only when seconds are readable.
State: 11.57
